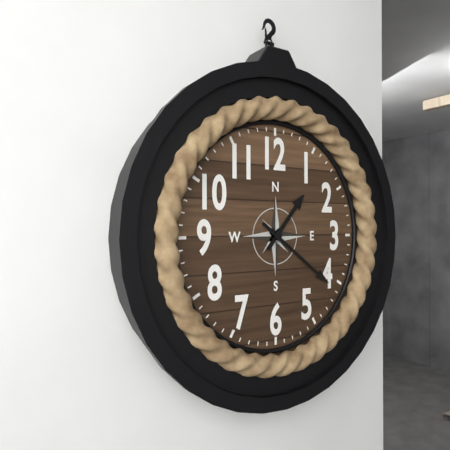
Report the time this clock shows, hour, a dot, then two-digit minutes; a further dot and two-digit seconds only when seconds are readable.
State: 1.21
